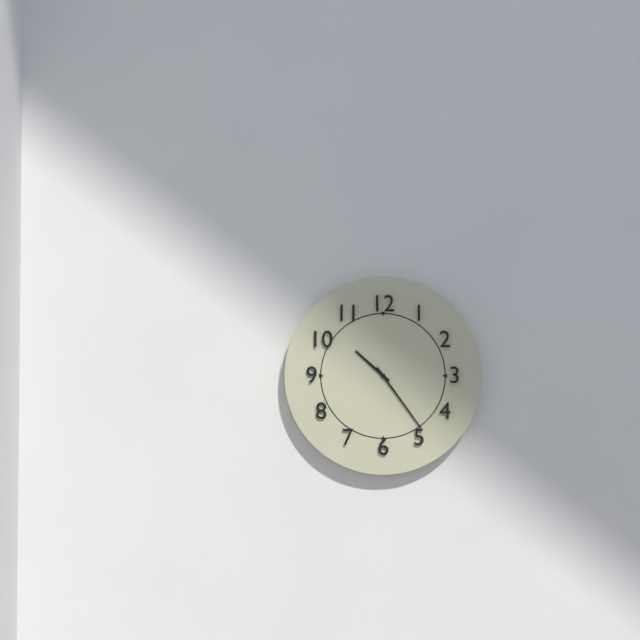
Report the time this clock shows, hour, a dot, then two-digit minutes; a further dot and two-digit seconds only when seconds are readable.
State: 10.24
